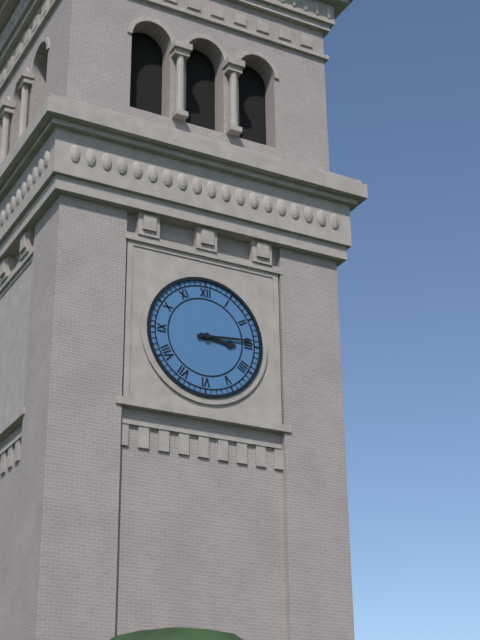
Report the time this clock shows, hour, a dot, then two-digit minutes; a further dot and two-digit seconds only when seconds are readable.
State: 3.14
